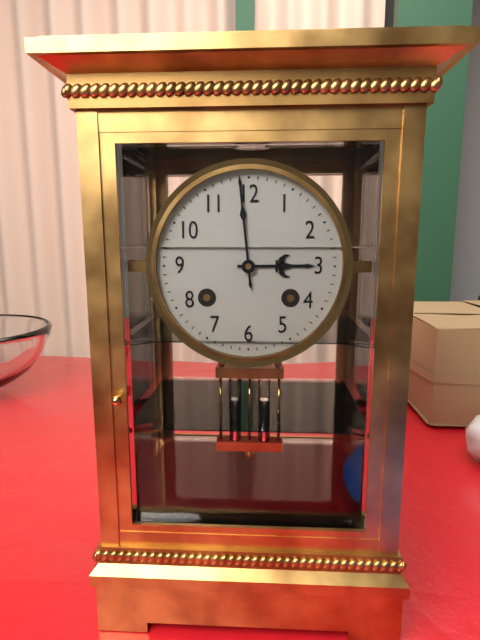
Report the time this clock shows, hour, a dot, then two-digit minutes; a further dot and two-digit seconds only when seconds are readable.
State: 2.59
